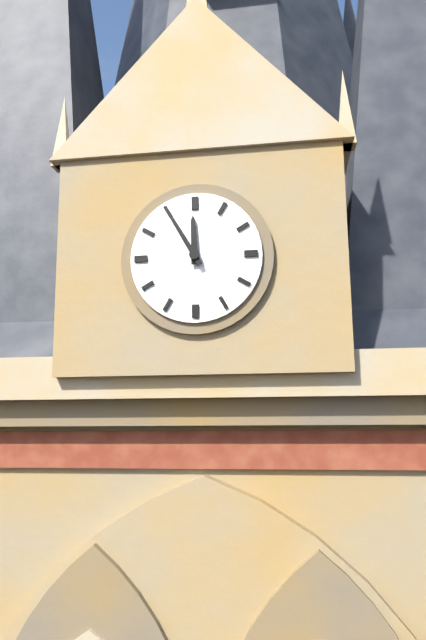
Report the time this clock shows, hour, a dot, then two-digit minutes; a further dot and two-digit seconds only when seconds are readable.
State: 11.55
